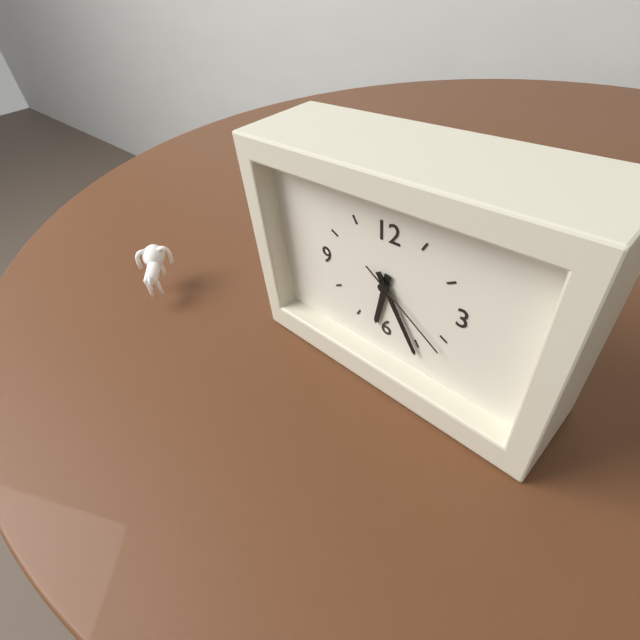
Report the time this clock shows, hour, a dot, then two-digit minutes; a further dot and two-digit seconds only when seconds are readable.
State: 6.25.21
